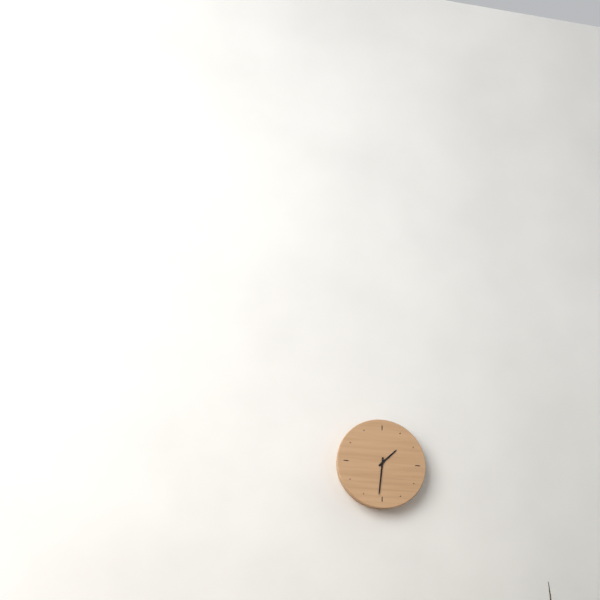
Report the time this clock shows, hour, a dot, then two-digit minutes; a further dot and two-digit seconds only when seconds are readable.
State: 1.31
